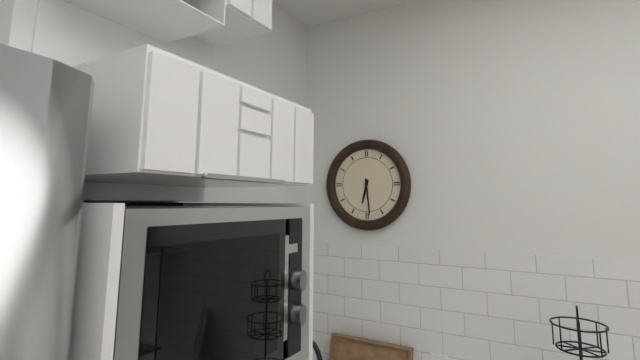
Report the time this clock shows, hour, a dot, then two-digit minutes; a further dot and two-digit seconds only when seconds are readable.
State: 6.29
